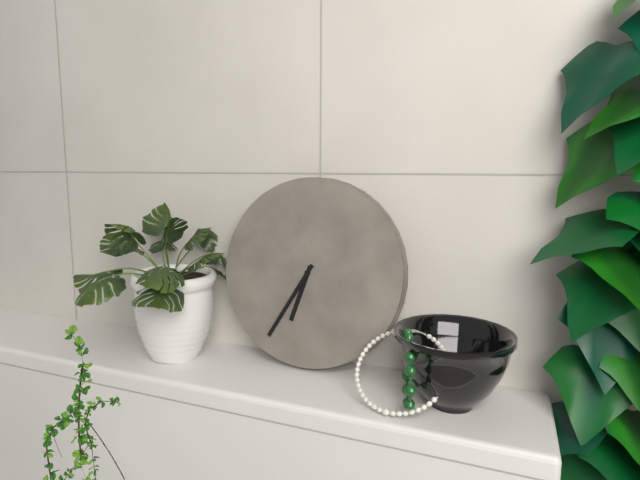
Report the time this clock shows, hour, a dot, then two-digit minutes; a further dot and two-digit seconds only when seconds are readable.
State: 6.35
